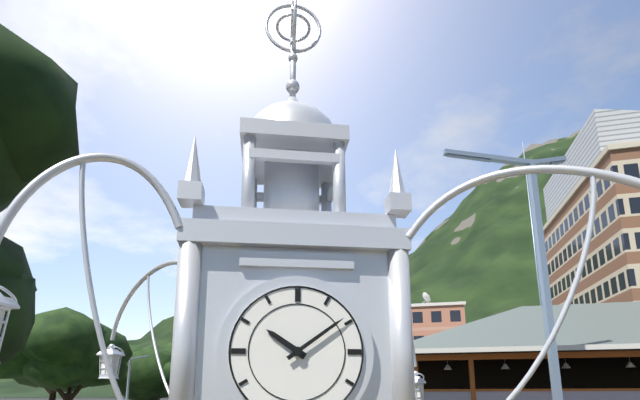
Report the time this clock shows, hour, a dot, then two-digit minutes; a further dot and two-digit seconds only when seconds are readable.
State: 10.09
